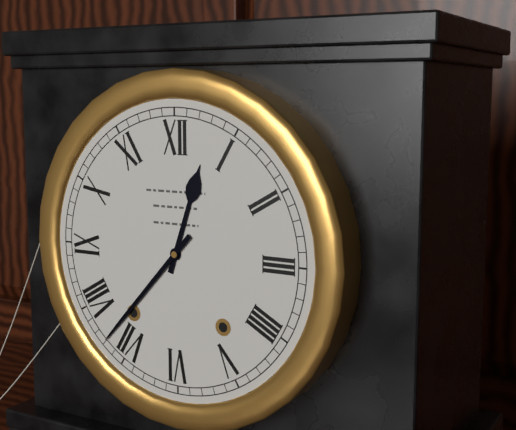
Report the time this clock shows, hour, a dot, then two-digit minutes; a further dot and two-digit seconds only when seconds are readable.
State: 12.37
